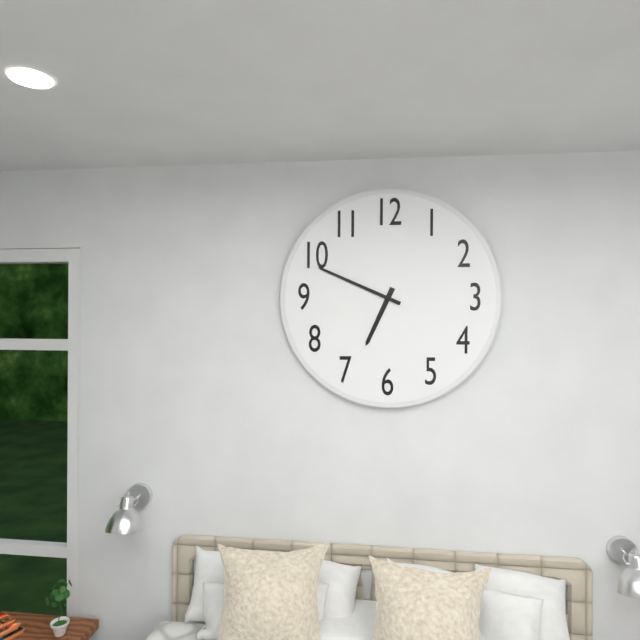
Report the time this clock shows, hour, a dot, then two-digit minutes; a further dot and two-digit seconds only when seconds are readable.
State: 6.49
